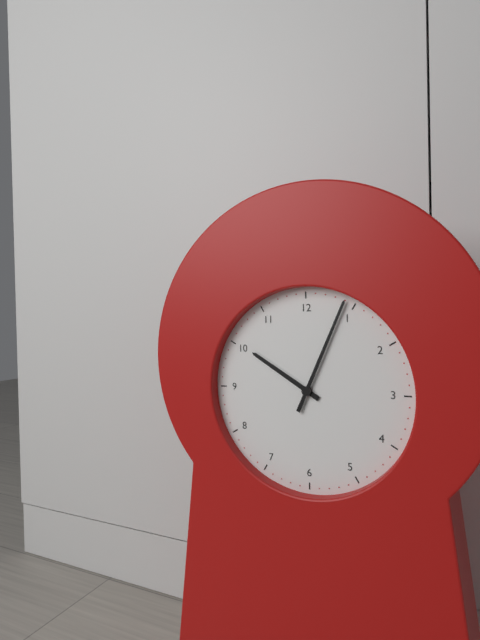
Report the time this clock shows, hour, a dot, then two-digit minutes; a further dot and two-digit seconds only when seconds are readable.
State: 10.04
